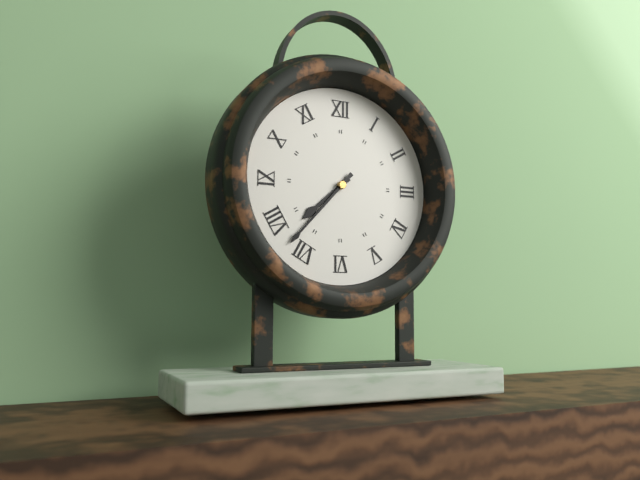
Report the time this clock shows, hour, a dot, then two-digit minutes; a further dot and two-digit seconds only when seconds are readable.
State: 7.37
